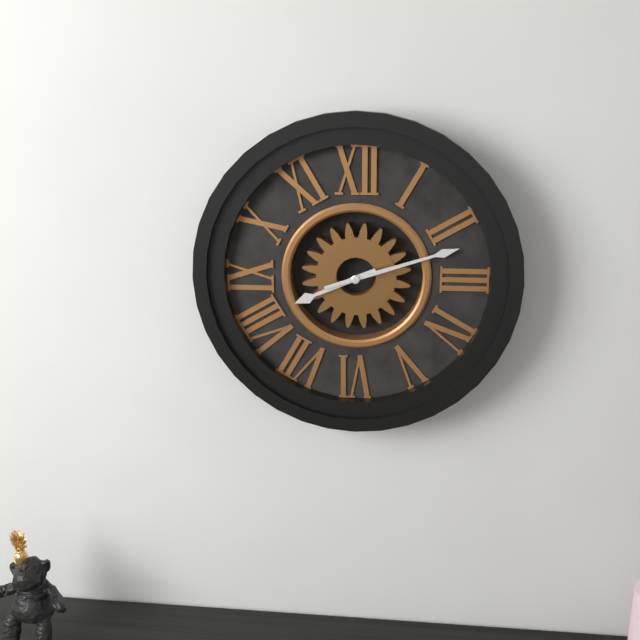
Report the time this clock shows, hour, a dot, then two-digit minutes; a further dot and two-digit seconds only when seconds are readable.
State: 8.12
